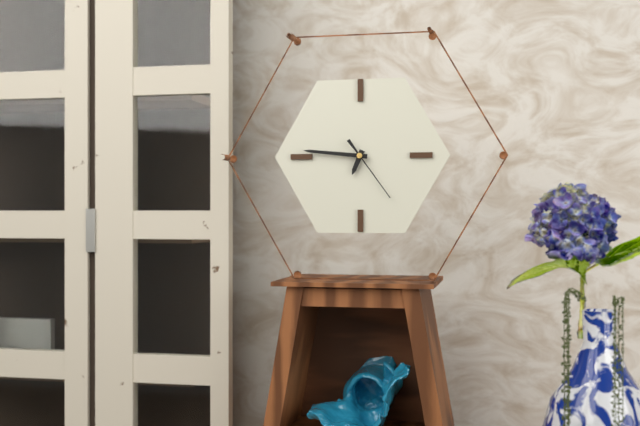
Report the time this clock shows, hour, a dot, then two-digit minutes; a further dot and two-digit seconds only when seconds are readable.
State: 6.46.24
